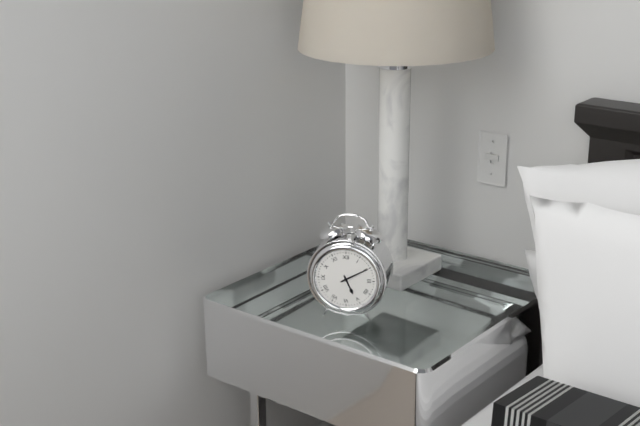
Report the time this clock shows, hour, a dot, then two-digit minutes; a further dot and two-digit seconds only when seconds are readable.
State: 5.10
